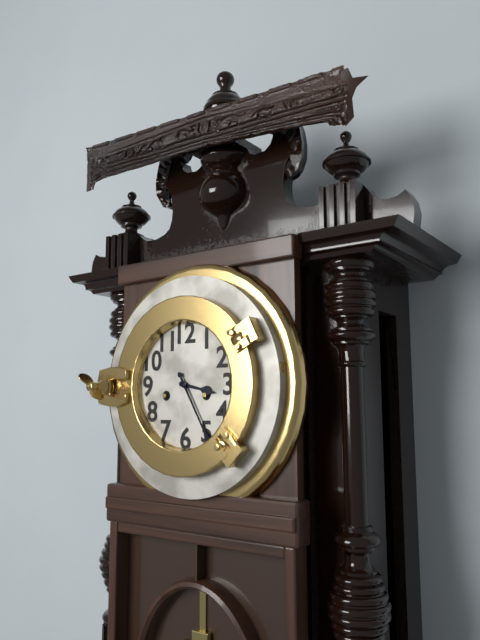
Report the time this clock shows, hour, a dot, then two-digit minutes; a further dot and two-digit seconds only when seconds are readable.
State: 3.25
